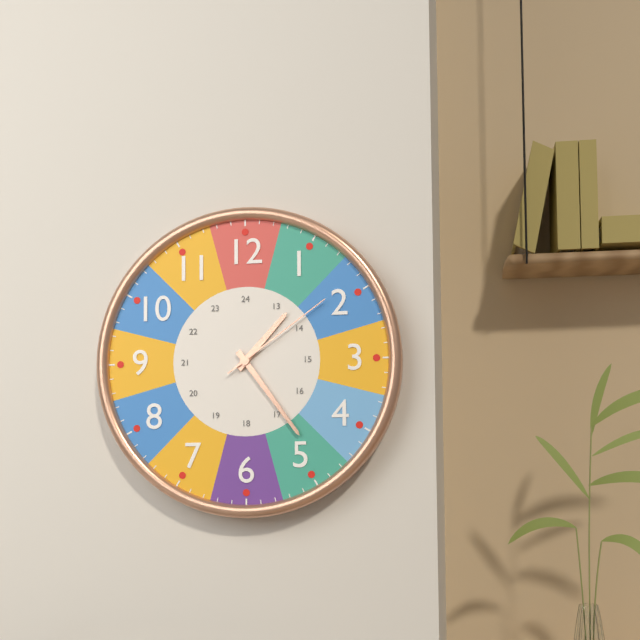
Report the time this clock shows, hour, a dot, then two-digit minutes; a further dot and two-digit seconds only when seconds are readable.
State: 1.24.09
